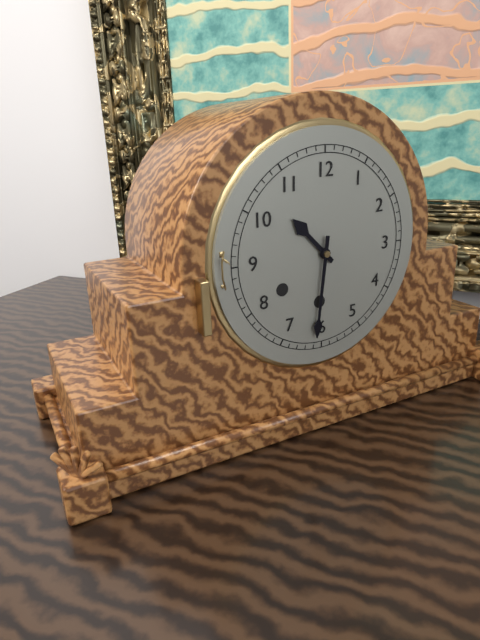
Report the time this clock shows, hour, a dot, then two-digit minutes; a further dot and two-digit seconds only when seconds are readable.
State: 10.31
